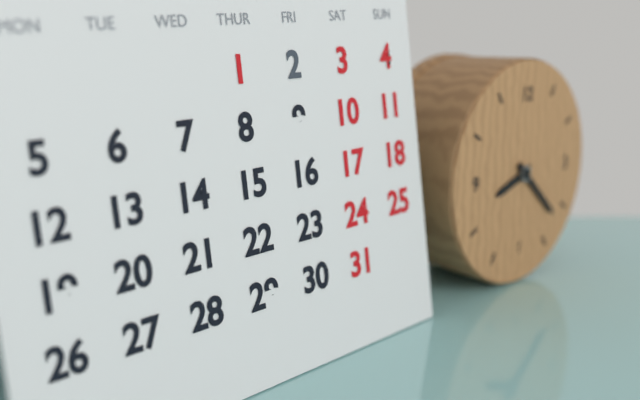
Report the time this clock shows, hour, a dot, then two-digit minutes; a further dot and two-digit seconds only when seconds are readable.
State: 8.22
